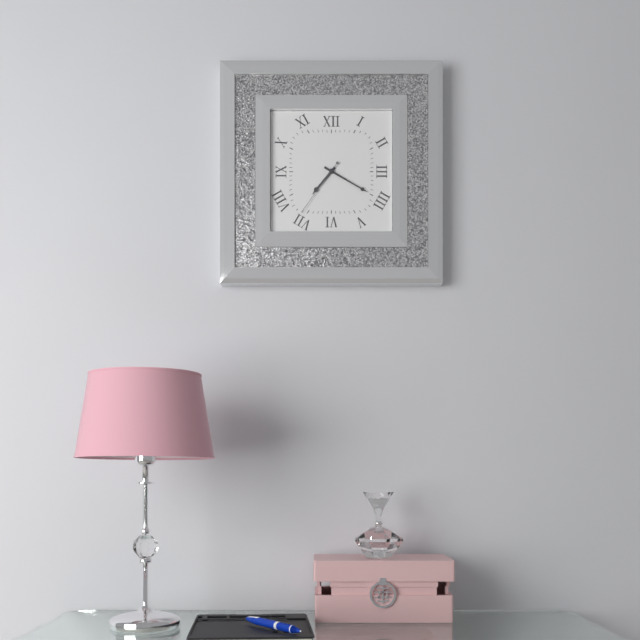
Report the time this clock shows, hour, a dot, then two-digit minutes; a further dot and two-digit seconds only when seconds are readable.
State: 7.20.36
